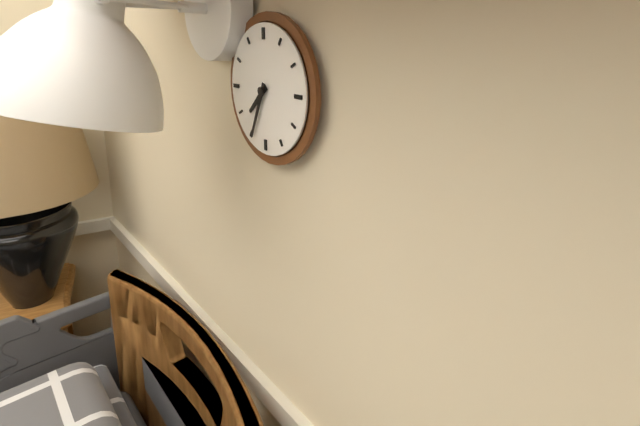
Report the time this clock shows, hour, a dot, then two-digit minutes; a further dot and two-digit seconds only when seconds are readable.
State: 7.34
